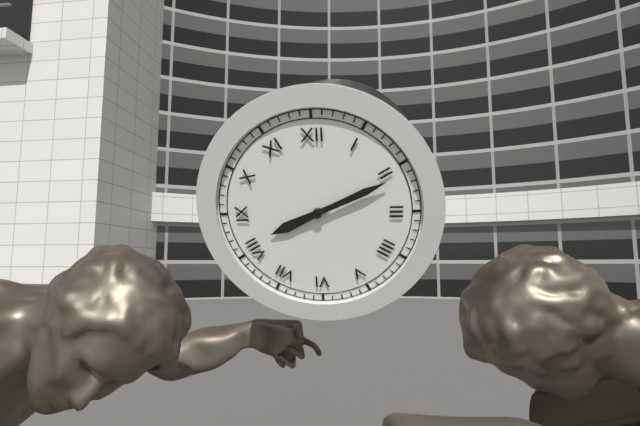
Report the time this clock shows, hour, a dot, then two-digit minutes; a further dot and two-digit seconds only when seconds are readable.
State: 8.11
